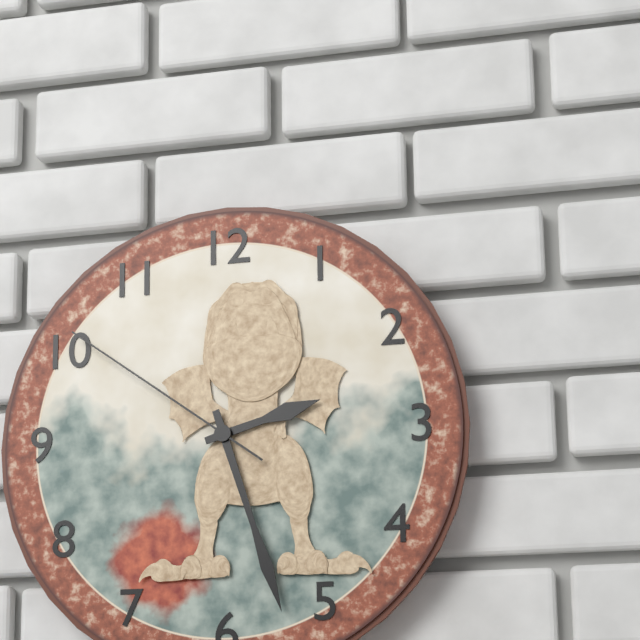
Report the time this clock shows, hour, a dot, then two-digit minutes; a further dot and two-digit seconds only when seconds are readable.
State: 2.27.51
